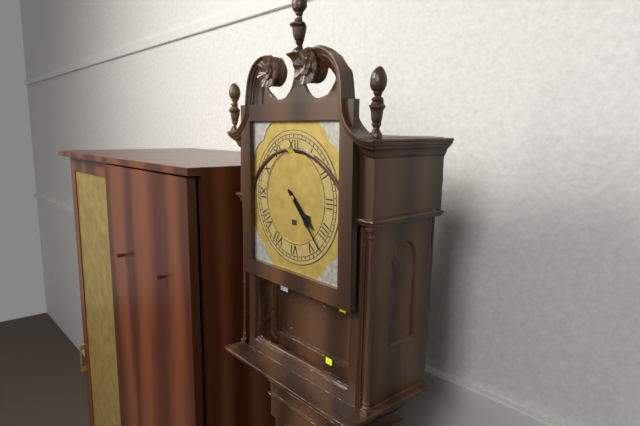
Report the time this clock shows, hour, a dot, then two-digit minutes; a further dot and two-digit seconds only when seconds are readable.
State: 4.23
